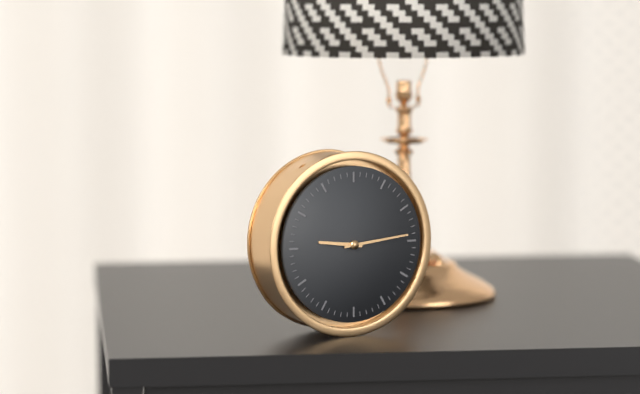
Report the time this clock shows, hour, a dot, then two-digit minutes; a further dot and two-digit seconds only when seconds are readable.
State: 9.14
